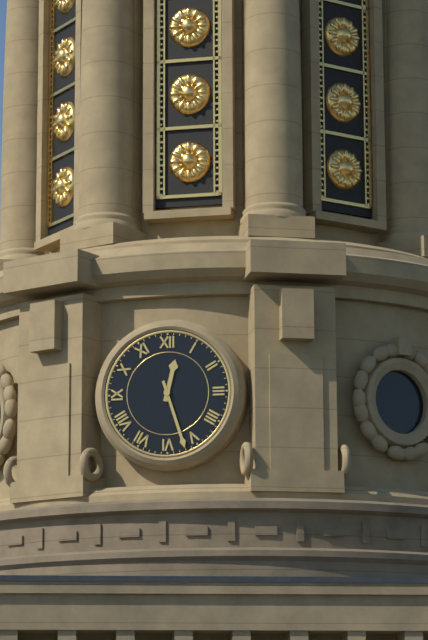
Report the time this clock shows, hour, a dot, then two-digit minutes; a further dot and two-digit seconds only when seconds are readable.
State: 12.27
